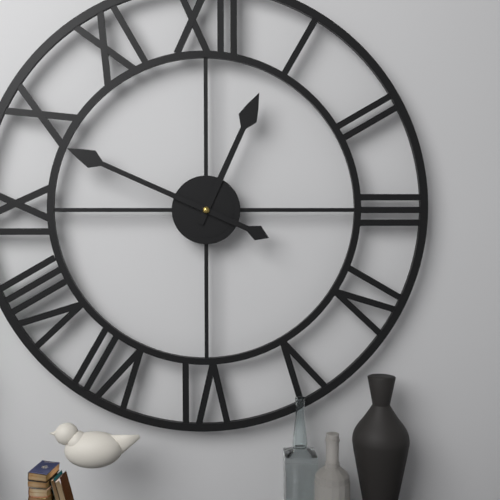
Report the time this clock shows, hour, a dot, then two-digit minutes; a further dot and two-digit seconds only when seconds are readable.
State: 12.49
